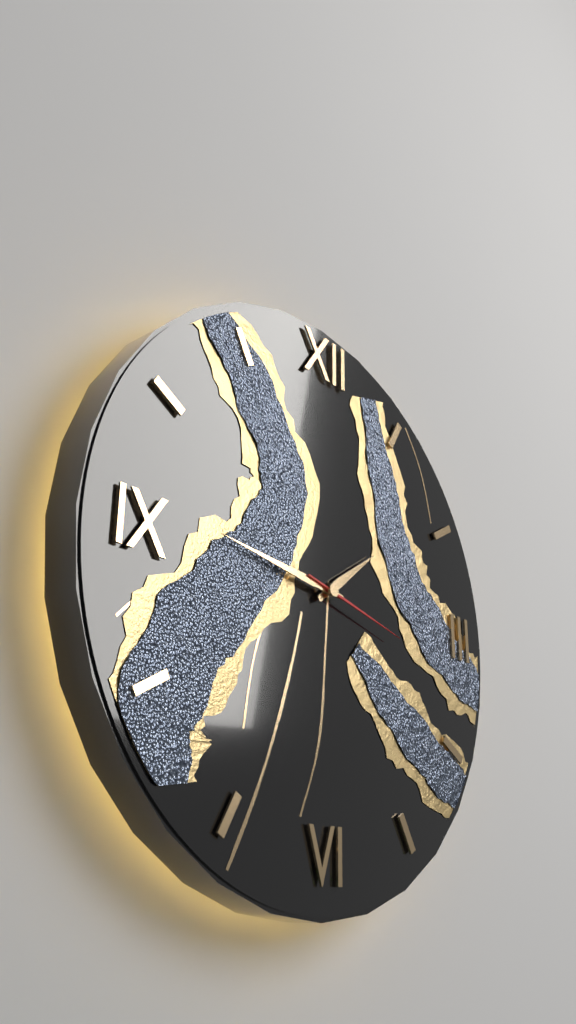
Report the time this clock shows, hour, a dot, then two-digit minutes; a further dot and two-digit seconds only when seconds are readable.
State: 1.46.17
